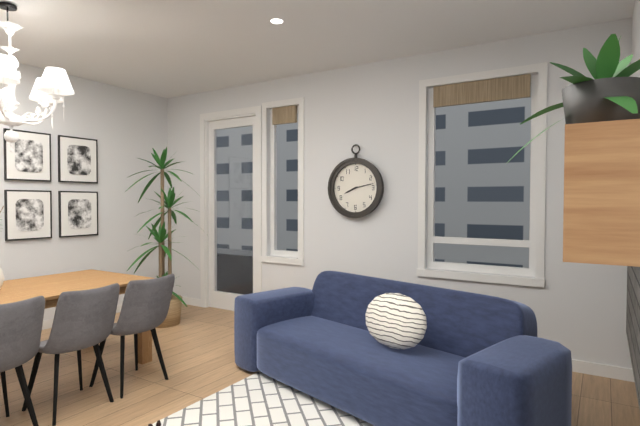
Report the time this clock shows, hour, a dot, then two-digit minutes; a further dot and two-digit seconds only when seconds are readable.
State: 8.13
